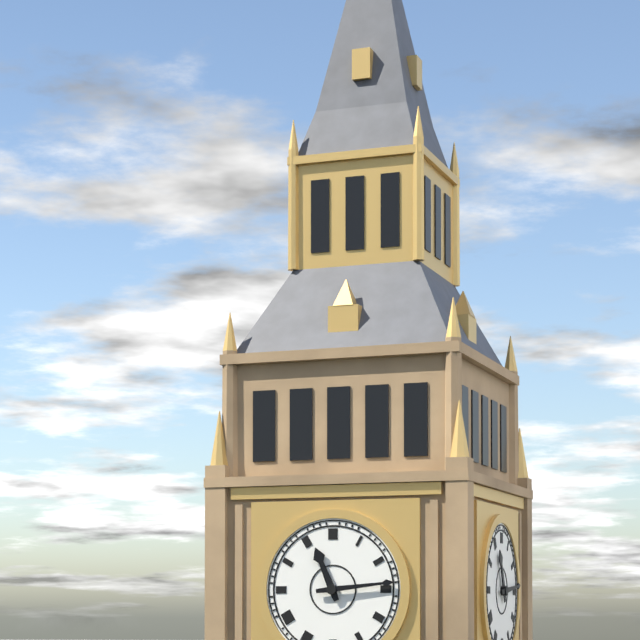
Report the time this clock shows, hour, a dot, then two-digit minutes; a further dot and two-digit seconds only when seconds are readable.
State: 11.14
